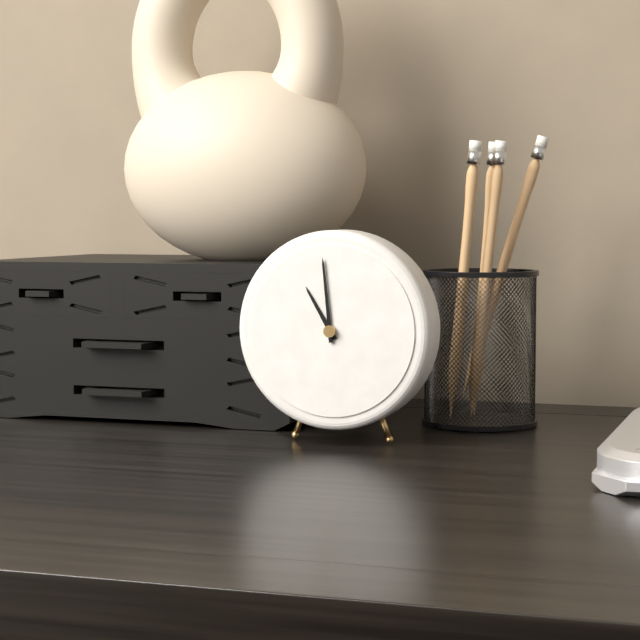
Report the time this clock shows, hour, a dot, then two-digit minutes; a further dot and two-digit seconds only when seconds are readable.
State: 10.59
